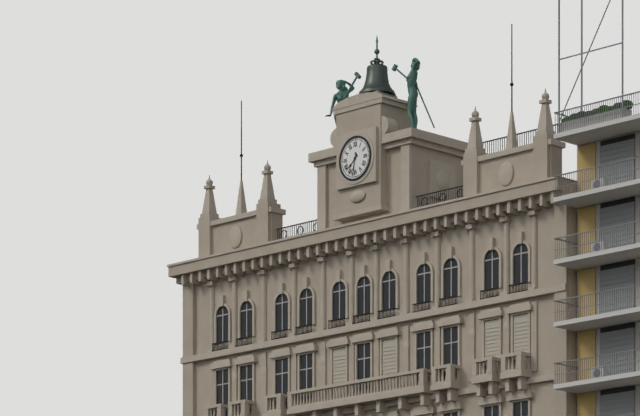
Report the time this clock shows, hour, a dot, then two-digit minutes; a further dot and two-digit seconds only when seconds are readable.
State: 7.32
